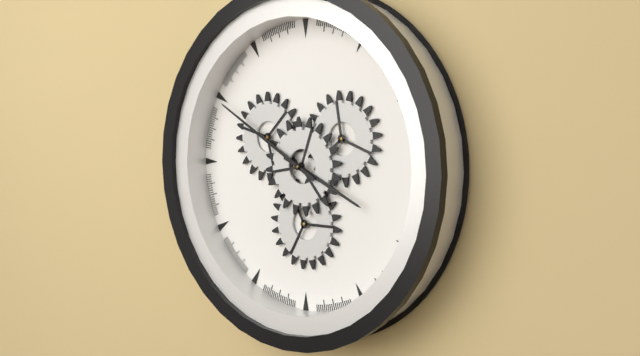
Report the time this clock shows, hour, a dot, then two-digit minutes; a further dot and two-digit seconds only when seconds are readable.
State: 3.50
